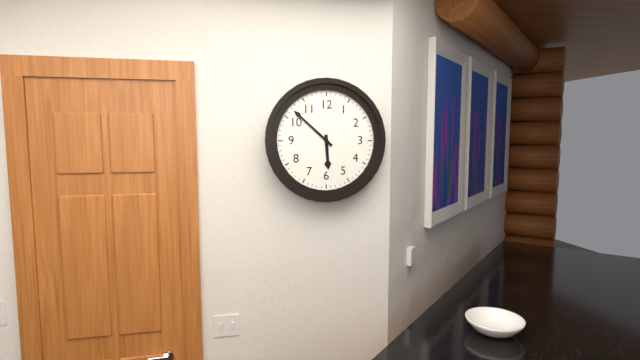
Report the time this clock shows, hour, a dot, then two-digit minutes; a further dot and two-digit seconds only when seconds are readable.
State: 5.52
